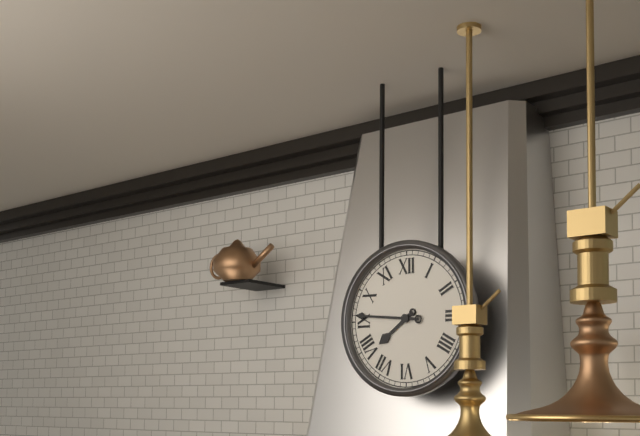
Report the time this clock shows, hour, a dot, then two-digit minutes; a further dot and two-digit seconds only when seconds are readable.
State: 7.46
